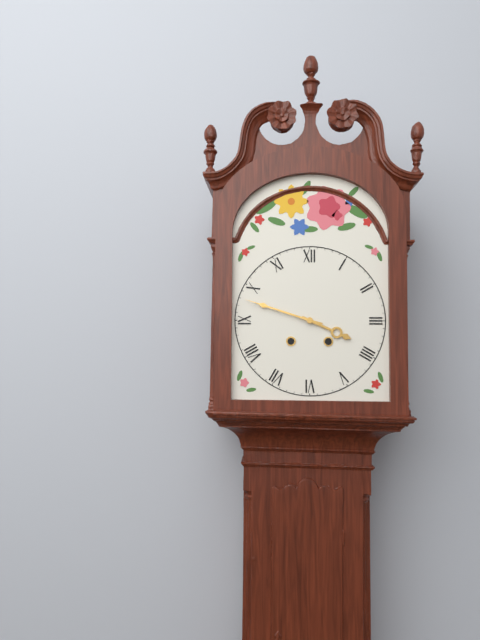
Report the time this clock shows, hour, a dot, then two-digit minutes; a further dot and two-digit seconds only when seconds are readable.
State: 3.48
